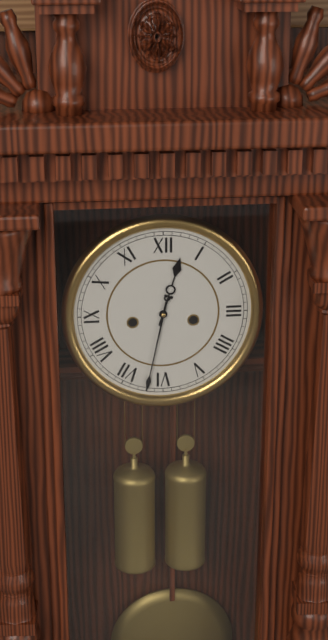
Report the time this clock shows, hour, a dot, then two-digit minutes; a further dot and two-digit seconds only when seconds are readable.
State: 12.32
